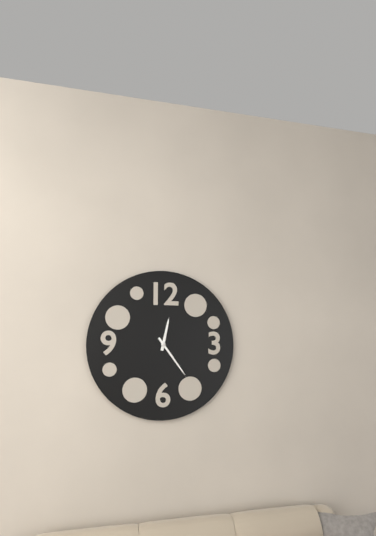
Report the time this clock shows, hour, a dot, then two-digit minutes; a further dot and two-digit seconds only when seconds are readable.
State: 12.24
